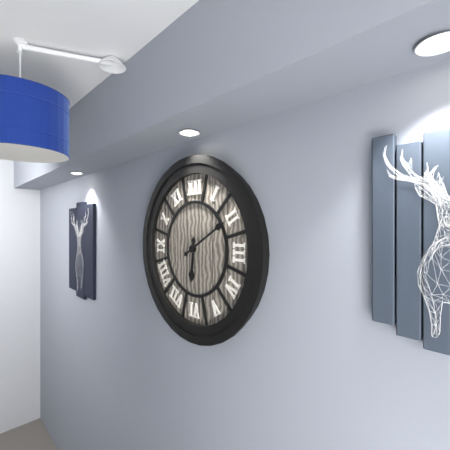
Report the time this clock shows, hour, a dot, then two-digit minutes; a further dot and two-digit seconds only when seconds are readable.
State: 6.10
